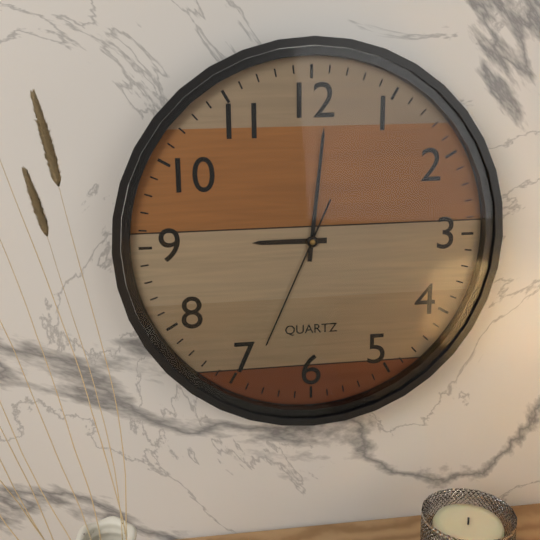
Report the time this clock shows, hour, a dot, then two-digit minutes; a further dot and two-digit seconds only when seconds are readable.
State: 9.01.34
